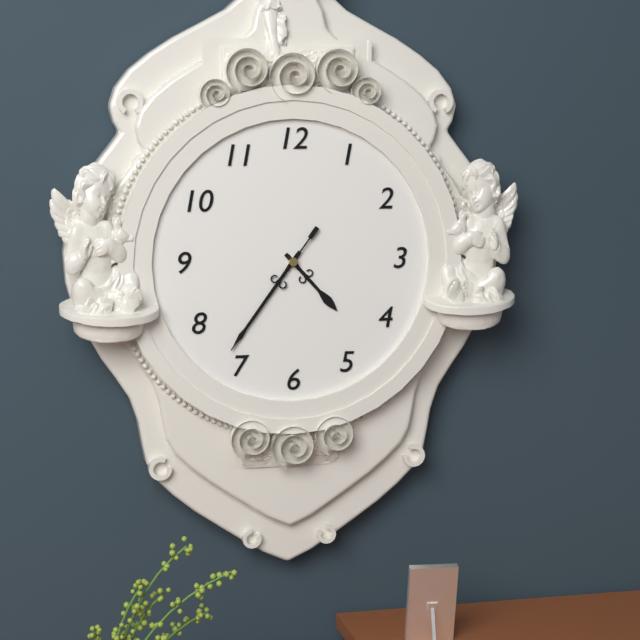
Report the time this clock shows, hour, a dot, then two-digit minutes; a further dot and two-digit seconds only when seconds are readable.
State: 4.36.36
